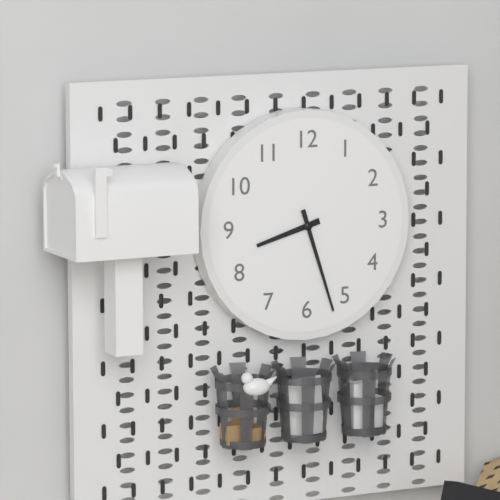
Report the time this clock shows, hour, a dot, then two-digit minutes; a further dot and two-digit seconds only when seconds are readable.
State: 8.27
